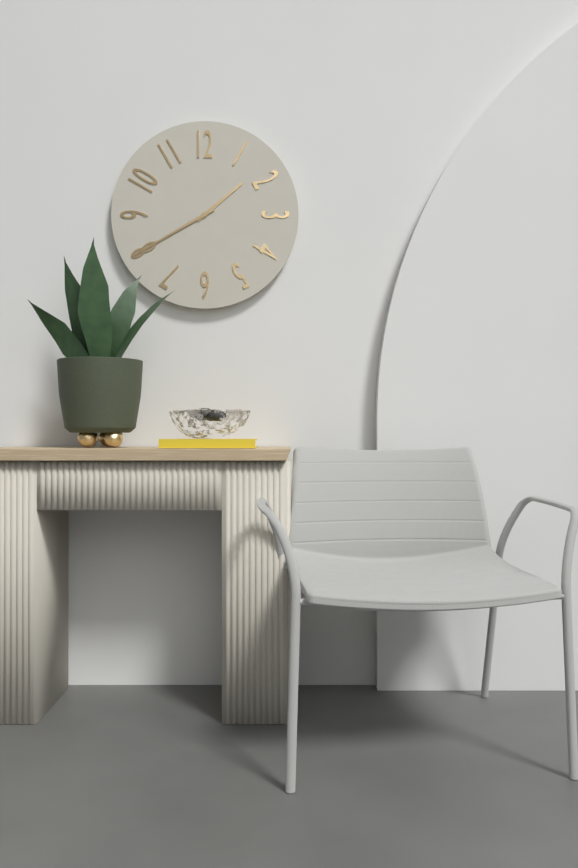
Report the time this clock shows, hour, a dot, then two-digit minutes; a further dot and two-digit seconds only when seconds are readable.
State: 1.40
